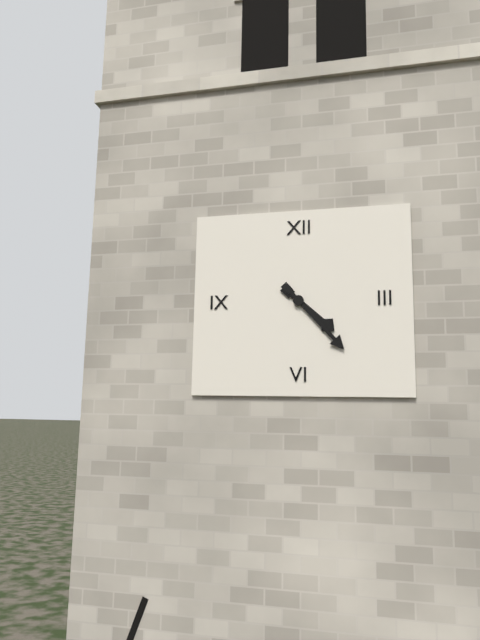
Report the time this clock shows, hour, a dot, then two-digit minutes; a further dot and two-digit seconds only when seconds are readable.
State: 4.23
